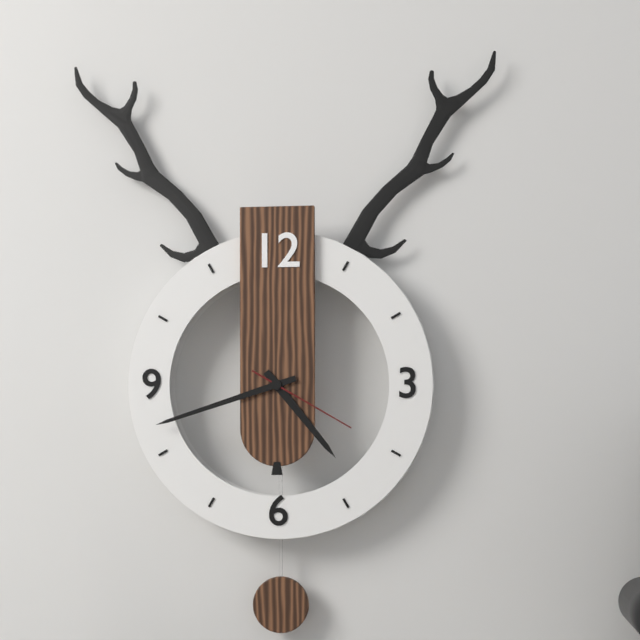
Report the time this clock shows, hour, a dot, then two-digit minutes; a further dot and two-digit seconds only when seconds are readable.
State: 4.42.20
